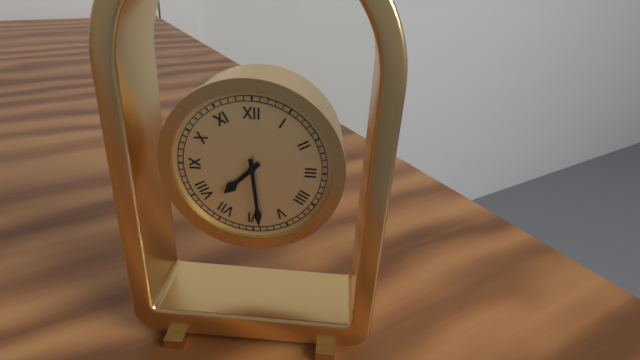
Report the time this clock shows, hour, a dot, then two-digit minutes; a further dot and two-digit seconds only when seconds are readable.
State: 7.29
